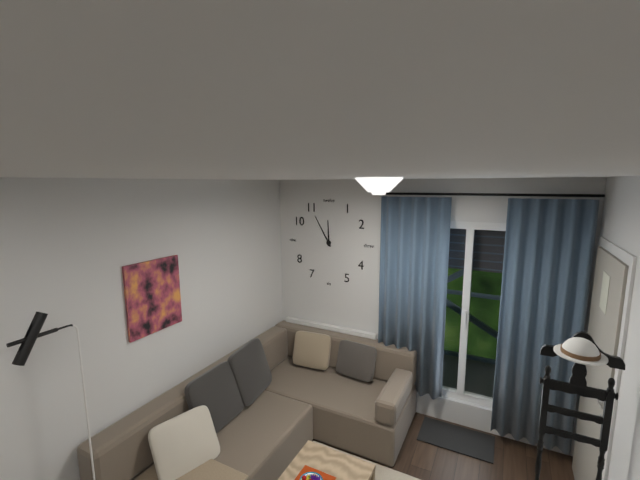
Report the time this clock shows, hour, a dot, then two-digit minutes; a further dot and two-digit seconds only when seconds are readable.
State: 11.55
